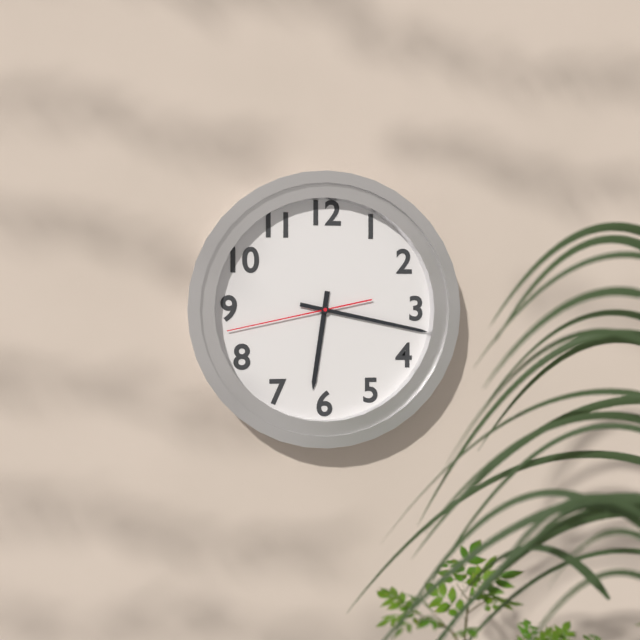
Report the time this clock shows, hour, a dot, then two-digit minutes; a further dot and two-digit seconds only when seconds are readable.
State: 6.17.43
